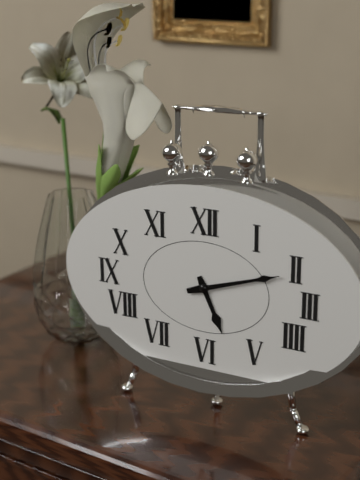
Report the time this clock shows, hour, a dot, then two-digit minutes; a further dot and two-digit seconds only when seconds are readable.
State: 5.12
